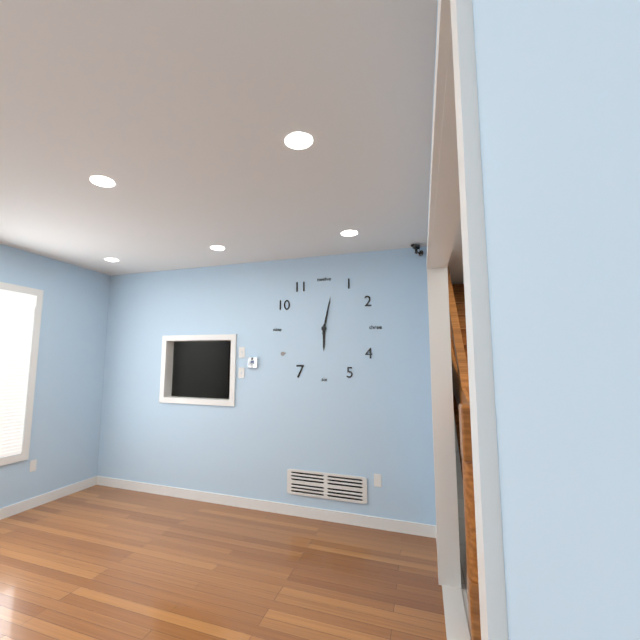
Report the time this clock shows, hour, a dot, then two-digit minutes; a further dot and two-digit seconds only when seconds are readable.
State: 6.02
